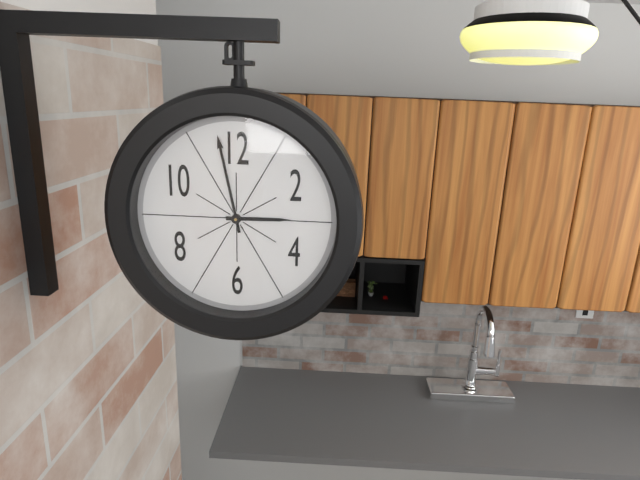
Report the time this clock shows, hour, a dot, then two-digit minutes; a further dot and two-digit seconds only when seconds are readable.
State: 2.58
